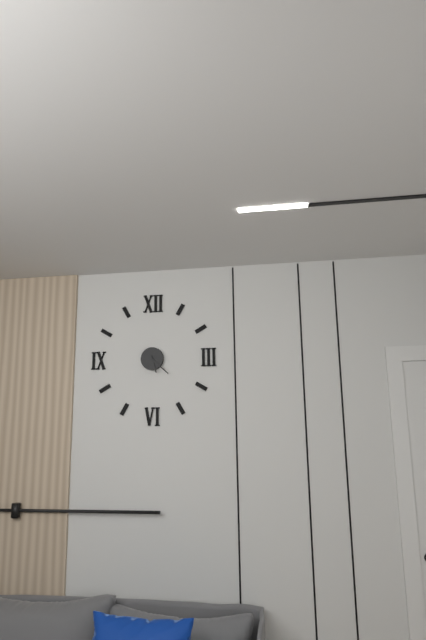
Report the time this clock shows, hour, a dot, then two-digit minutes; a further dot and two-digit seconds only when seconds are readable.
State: 5.22
